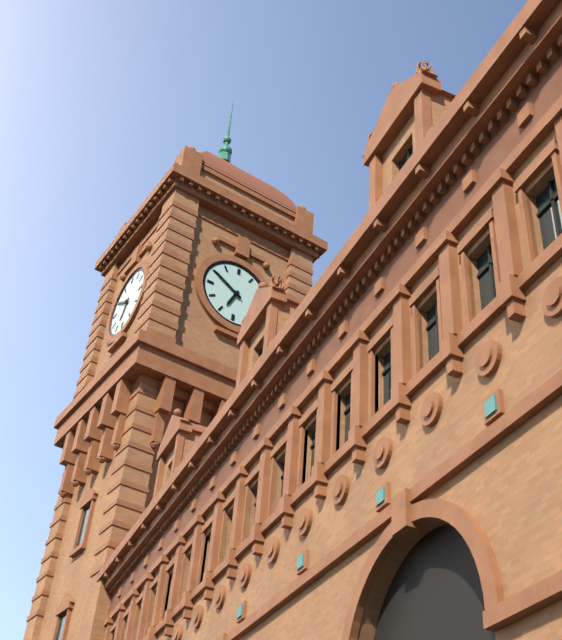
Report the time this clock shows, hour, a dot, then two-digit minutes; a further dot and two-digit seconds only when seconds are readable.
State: 6.50
